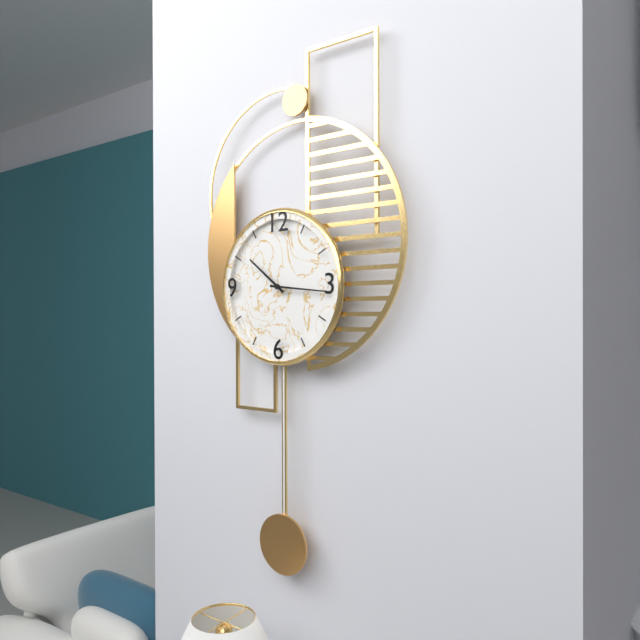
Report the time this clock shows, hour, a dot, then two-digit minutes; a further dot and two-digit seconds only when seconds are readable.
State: 10.16
